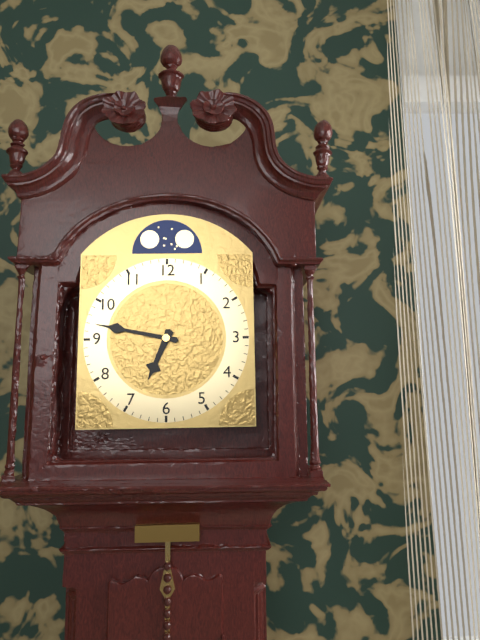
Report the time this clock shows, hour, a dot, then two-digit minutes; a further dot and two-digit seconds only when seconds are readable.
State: 6.47
